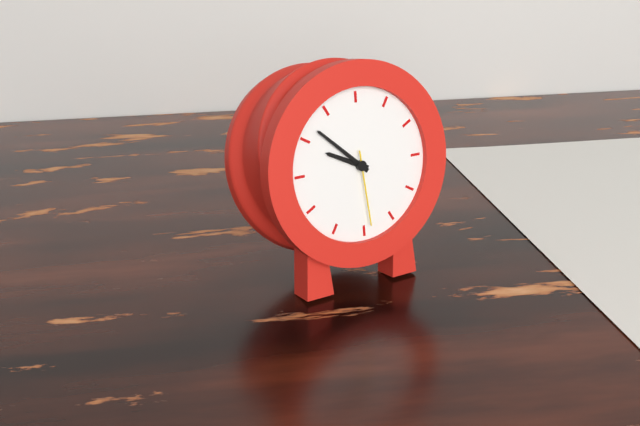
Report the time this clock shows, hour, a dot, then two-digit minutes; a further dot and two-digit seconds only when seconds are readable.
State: 9.52.29
